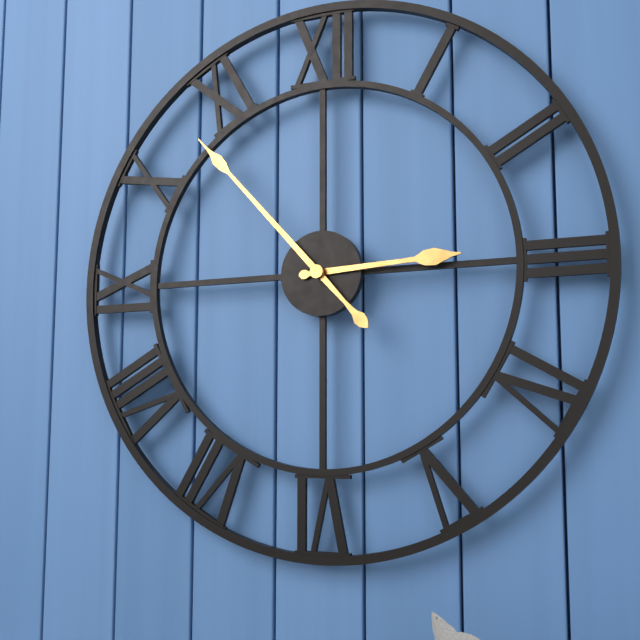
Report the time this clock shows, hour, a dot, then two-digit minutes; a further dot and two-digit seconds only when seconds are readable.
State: 2.53
